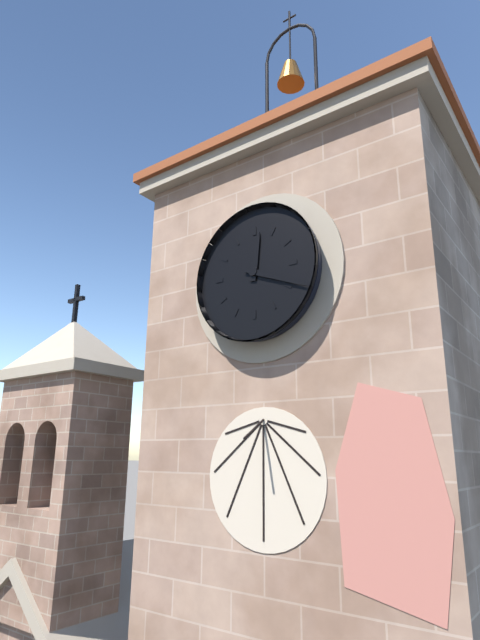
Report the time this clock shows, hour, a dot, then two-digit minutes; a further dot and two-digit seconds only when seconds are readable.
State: 12.19
